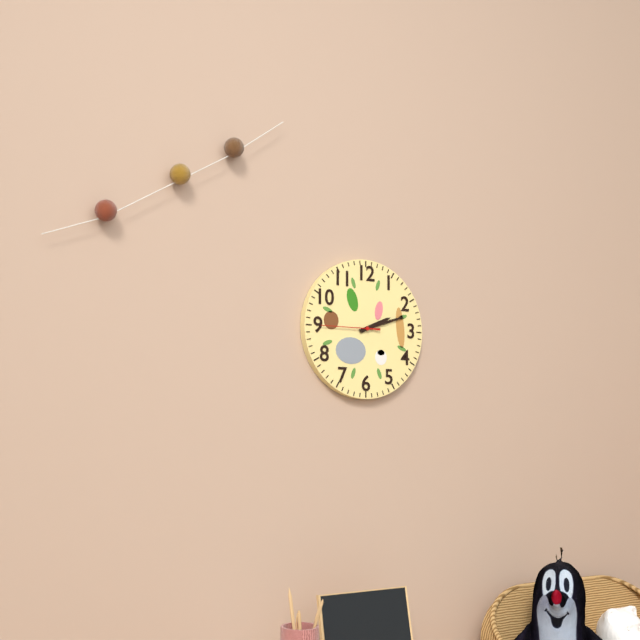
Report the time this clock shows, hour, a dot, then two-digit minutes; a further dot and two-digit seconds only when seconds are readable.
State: 2.12.45
